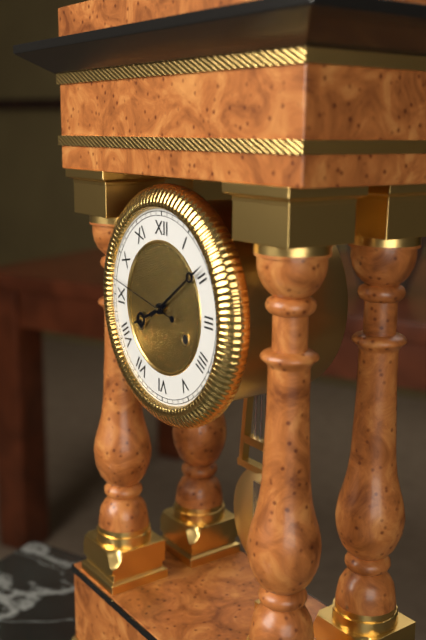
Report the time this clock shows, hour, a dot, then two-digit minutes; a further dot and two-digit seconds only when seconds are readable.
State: 8.09.47
